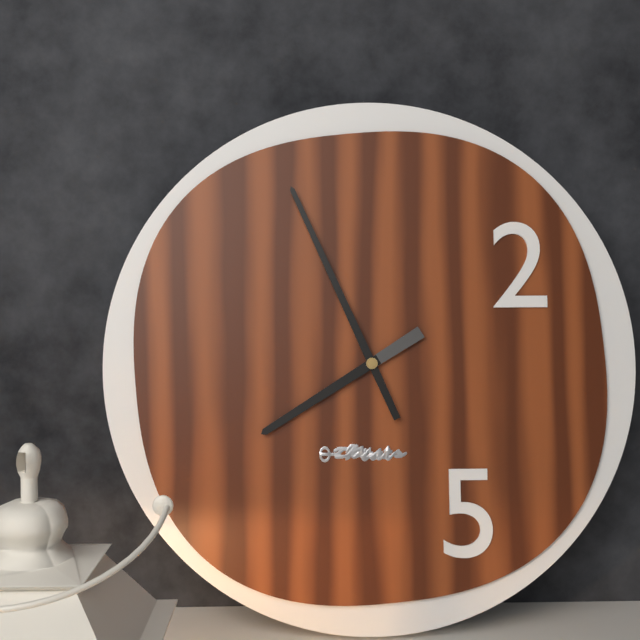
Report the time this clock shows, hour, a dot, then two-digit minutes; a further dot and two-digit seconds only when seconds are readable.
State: 7.56
